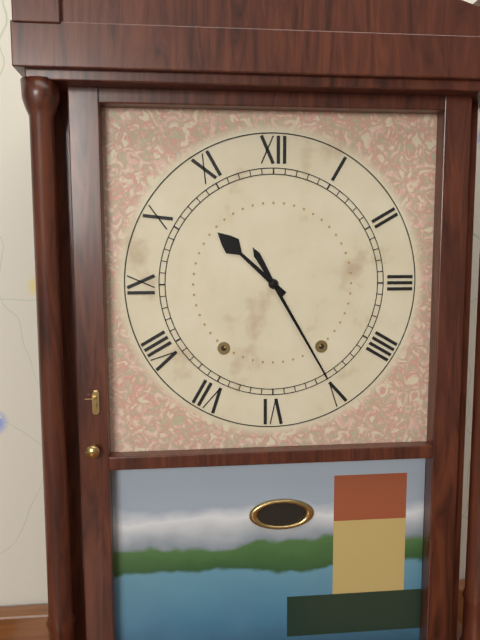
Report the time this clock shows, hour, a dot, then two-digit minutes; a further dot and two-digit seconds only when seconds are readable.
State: 10.25
